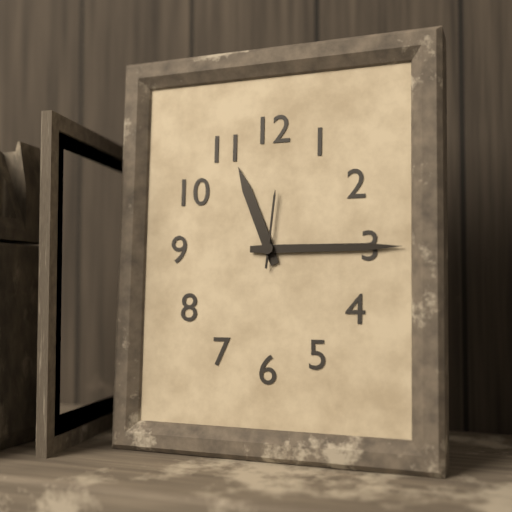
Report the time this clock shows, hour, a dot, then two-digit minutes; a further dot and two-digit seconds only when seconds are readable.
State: 11.15.01
